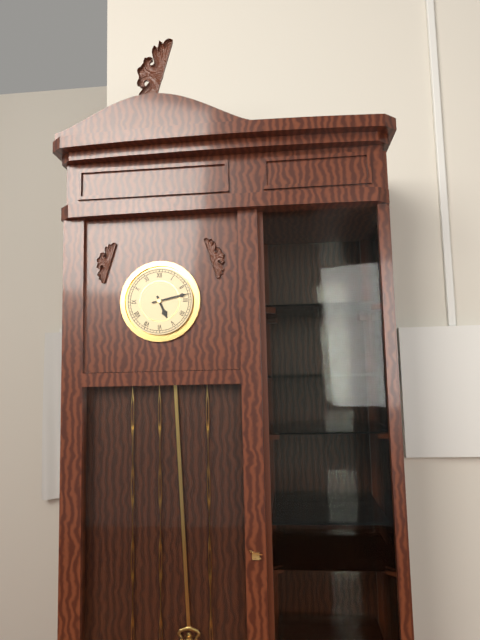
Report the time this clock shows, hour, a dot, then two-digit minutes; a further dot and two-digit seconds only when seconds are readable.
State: 5.13
